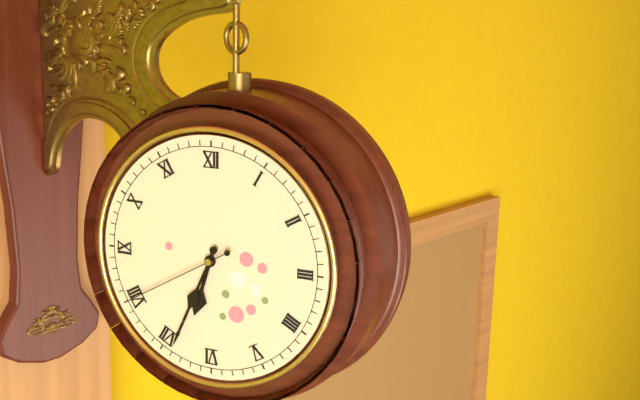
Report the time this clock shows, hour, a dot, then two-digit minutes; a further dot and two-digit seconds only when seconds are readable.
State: 6.34.40
